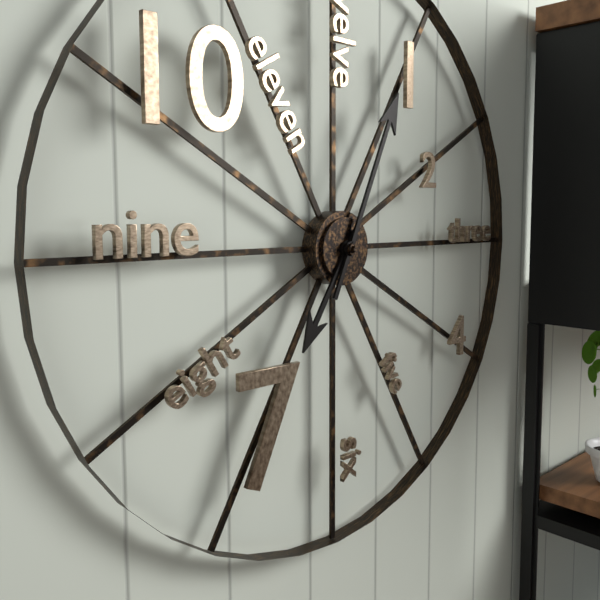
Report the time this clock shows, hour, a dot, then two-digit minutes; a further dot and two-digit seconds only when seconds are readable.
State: 7.04
